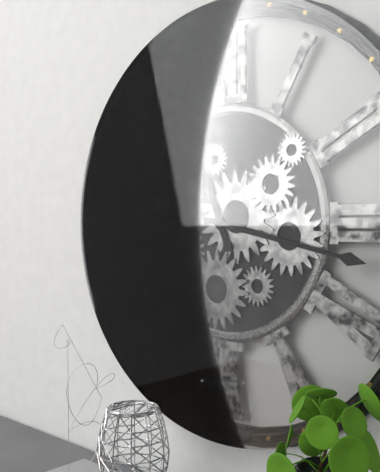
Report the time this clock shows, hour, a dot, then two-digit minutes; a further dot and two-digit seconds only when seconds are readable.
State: 11.17
